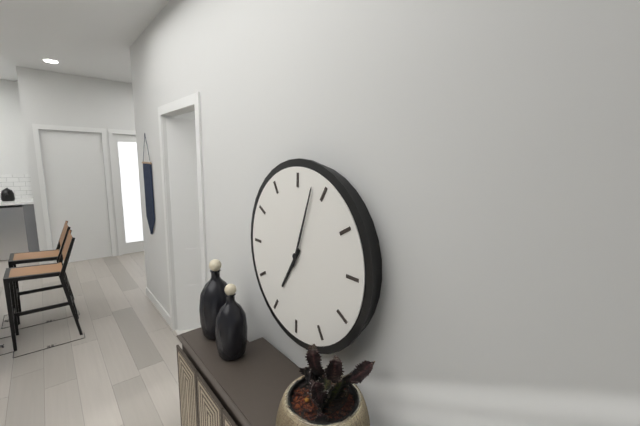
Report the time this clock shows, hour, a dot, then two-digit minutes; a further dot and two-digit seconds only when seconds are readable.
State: 7.03
